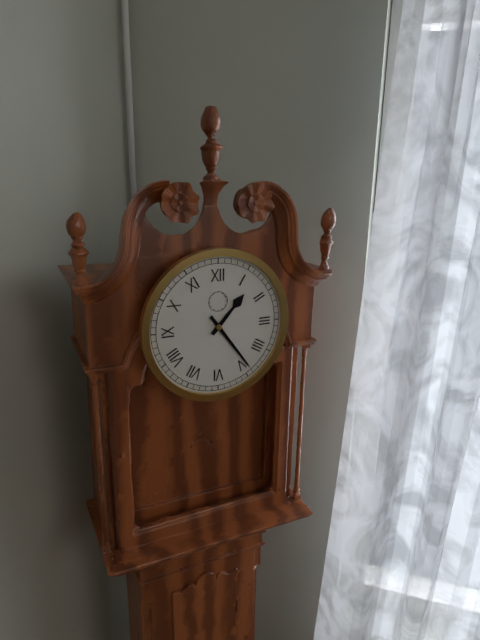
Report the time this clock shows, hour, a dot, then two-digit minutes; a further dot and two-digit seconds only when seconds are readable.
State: 1.24
